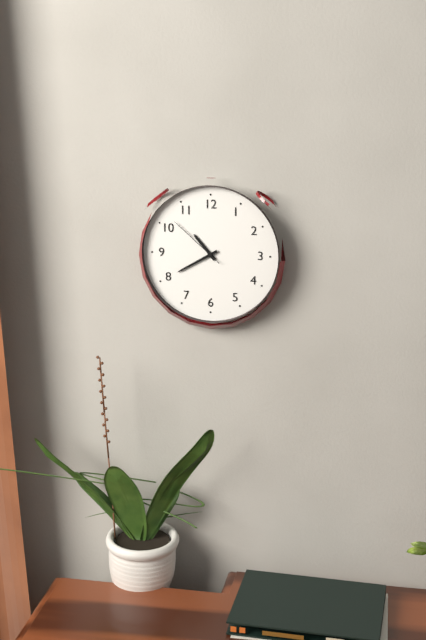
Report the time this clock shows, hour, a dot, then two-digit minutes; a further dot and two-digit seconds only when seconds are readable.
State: 10.40.52
